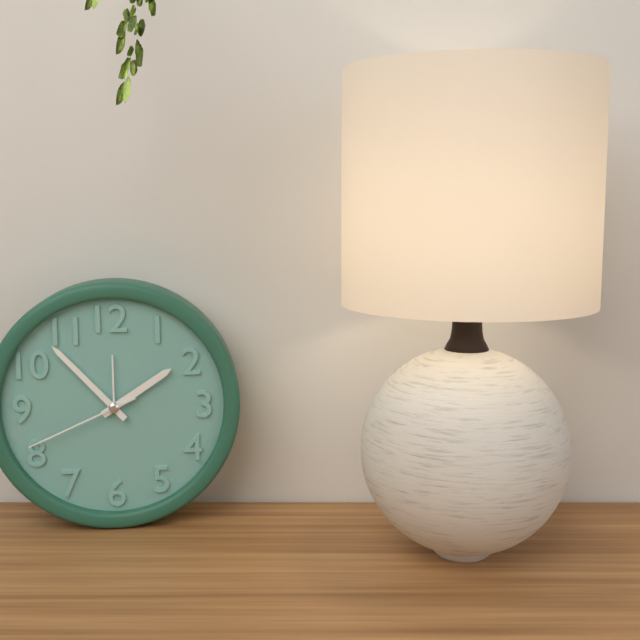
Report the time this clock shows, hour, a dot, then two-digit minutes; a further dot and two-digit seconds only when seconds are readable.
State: 1.53.41
